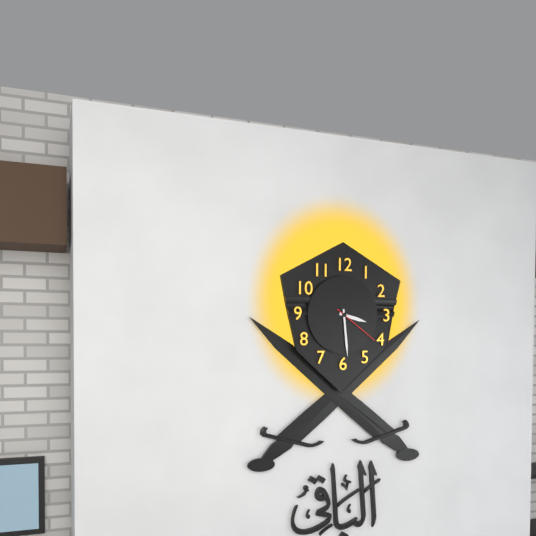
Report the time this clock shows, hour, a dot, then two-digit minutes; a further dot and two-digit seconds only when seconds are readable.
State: 3.29.21
